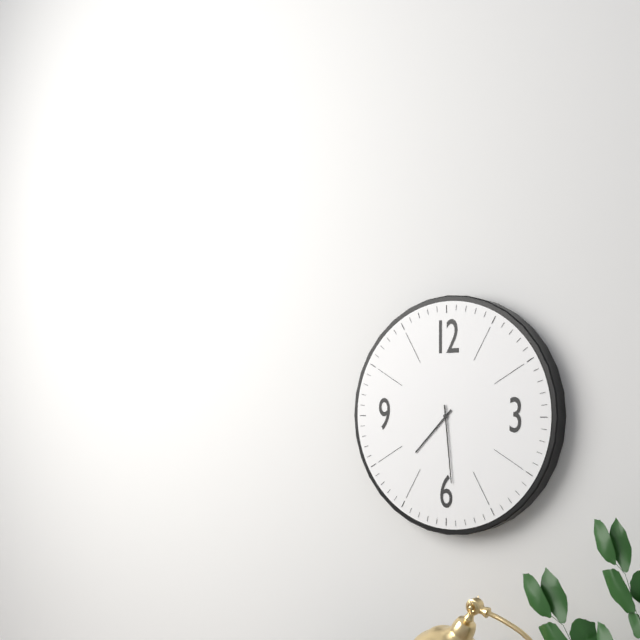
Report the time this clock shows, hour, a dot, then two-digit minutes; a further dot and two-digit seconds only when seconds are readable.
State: 7.29
